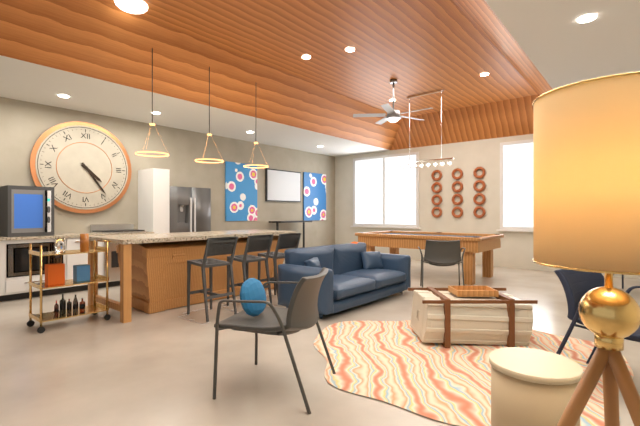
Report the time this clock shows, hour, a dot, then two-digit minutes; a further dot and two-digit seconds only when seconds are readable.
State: 4.24
